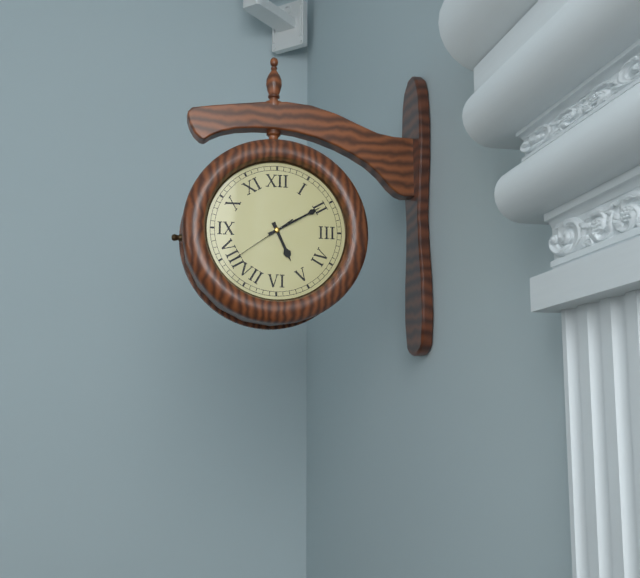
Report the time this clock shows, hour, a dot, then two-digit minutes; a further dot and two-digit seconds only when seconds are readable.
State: 5.10.39
